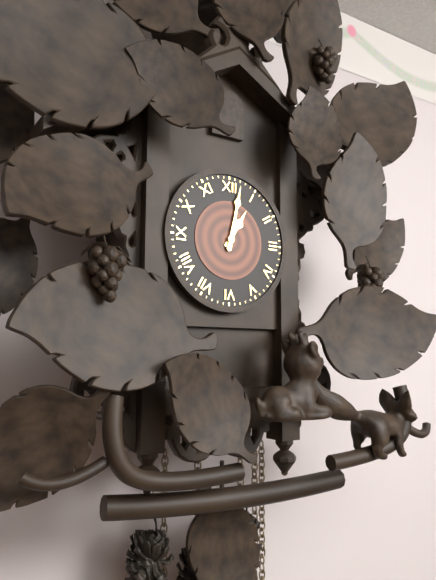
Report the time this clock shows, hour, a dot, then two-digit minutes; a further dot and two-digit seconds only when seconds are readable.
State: 1.02
